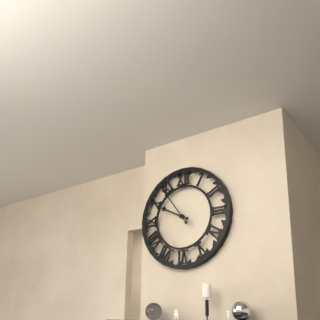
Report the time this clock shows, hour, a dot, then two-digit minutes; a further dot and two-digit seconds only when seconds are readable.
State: 9.54
